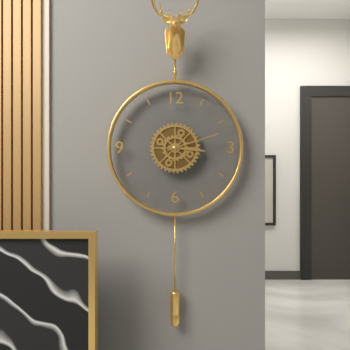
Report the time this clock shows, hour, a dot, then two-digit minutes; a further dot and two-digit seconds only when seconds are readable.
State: 3.12
